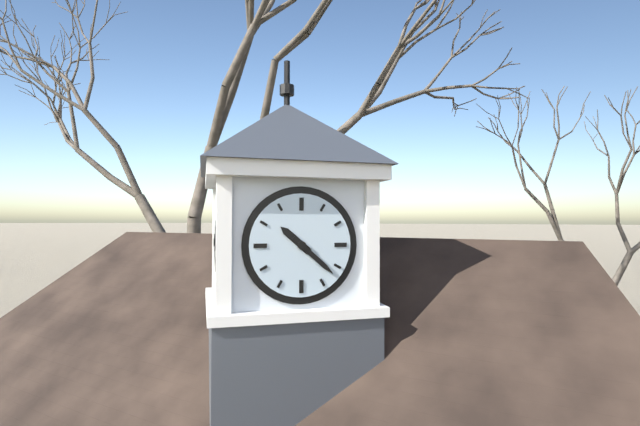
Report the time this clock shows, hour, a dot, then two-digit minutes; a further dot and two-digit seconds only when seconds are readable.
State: 10.22
